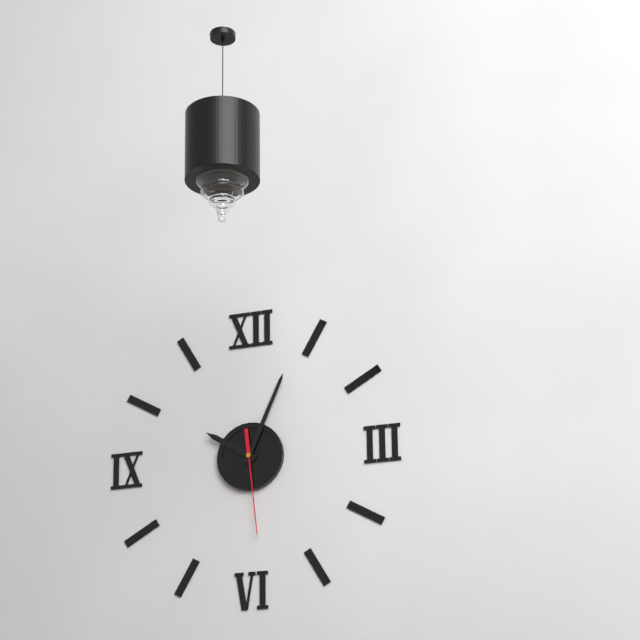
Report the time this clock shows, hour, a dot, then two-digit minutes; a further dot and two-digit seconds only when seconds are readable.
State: 10.04.29
